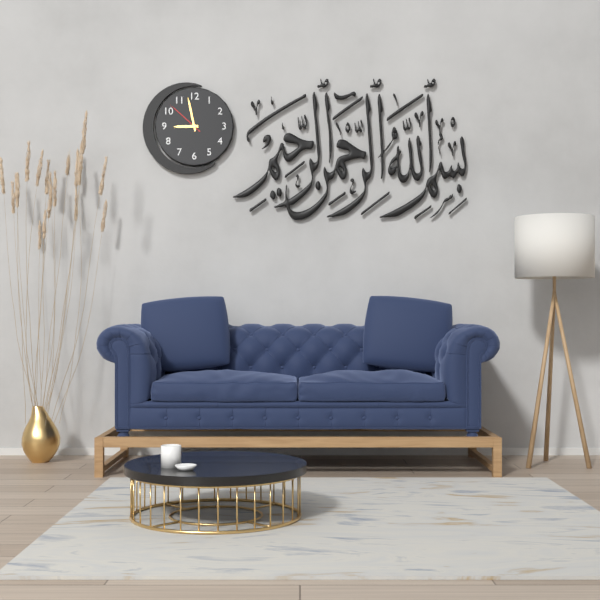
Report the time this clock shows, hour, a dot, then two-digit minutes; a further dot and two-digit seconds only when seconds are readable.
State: 8.58
